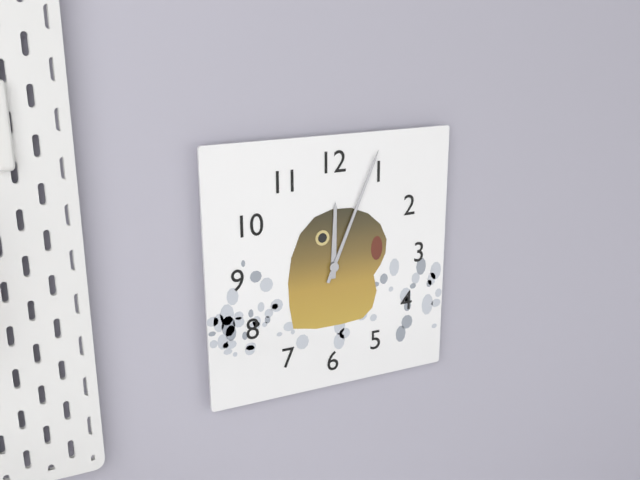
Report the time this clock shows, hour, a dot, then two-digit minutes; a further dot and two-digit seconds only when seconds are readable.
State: 12.04
